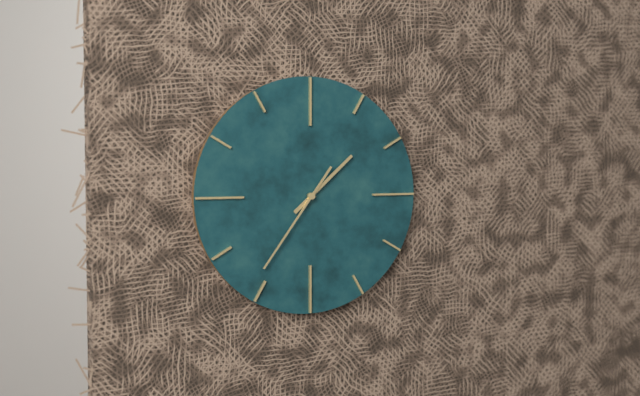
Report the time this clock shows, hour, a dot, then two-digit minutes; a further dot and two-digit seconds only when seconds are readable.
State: 1.36
